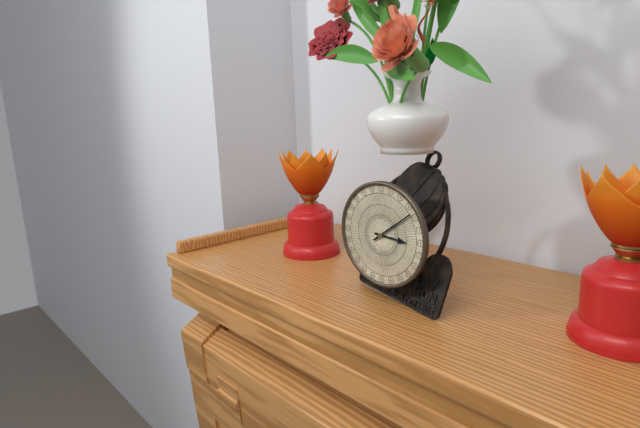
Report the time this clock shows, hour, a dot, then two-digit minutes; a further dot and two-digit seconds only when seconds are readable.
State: 3.09
